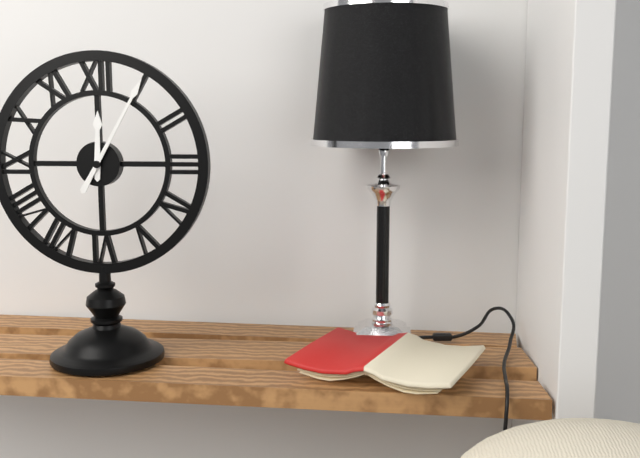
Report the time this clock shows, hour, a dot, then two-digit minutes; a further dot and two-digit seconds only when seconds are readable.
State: 12.05
